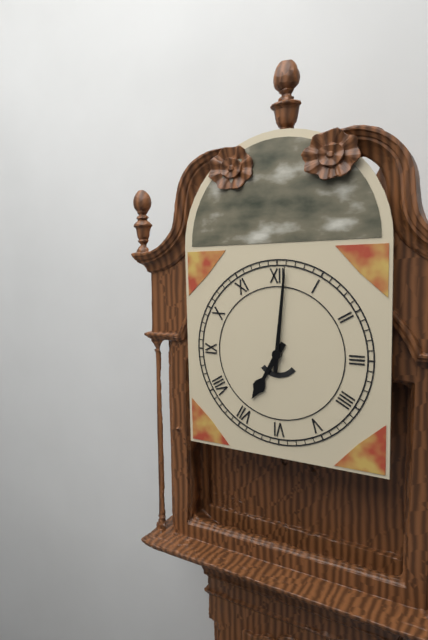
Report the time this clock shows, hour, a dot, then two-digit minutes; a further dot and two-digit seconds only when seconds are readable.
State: 7.01
